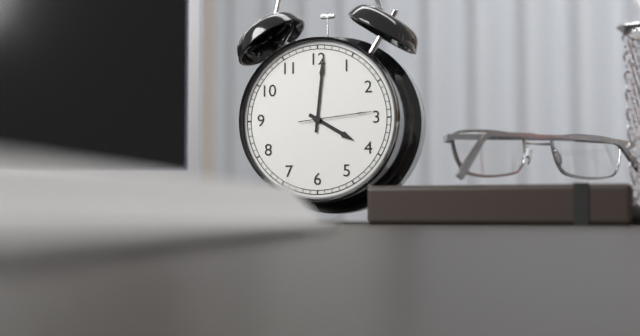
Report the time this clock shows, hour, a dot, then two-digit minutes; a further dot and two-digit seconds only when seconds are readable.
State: 4.01.14
